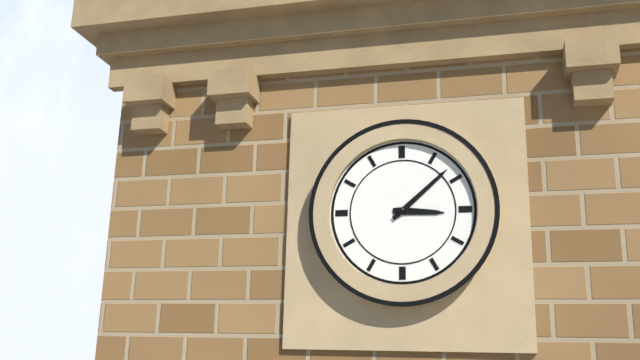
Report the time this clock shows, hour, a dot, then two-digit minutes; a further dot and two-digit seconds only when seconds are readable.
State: 3.08
